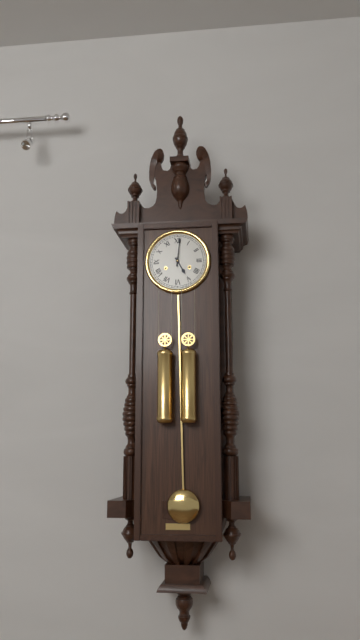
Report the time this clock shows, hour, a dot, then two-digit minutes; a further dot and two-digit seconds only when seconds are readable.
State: 5.01
